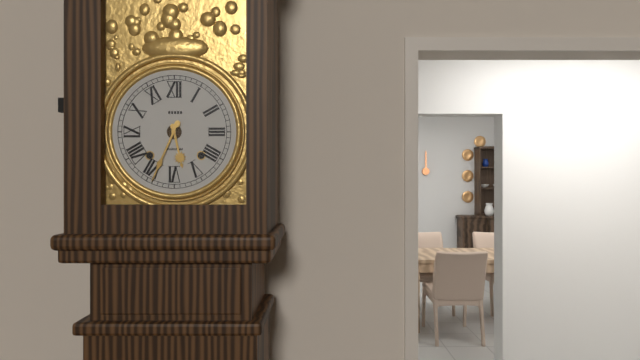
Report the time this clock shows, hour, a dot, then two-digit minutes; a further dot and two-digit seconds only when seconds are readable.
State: 5.34
